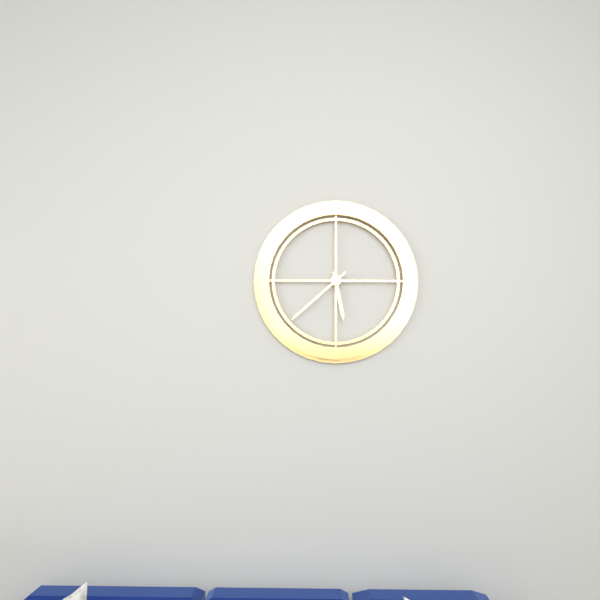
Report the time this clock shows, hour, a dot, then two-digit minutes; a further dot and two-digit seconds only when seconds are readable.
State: 5.38
